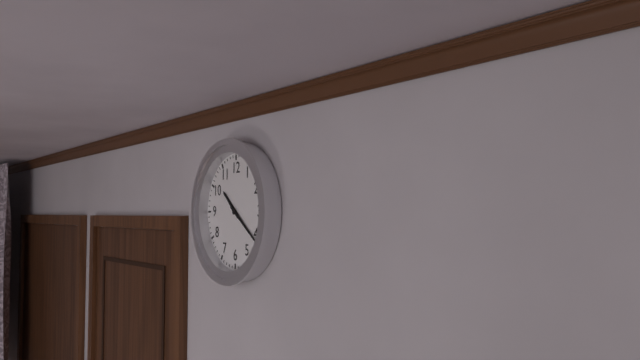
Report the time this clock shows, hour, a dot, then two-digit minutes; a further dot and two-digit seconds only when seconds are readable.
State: 10.21
